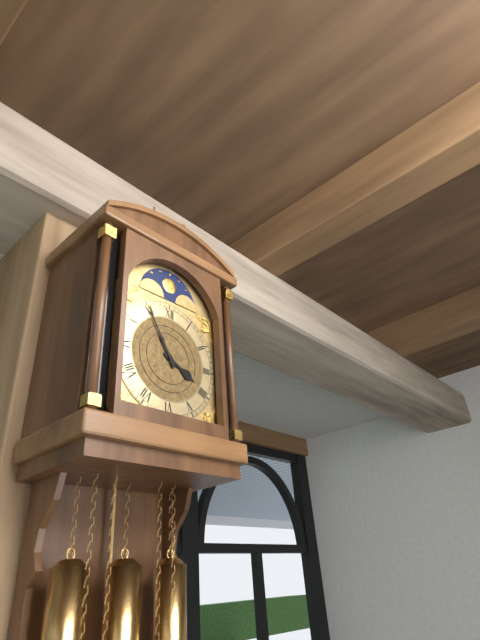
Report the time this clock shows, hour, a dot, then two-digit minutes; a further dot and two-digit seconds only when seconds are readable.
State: 3.55
